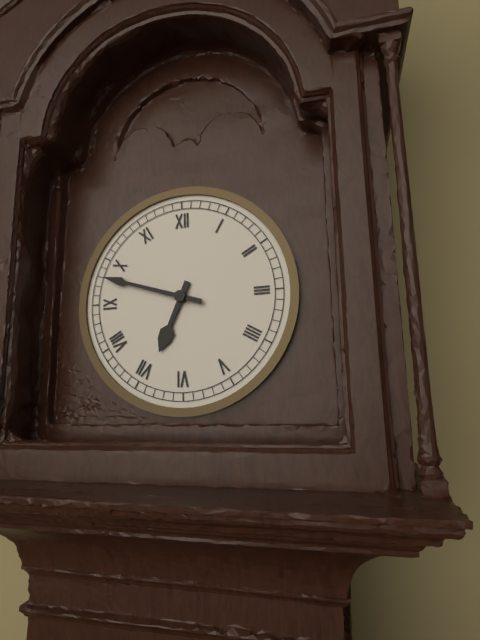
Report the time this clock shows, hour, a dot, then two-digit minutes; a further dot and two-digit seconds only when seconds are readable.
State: 6.48
